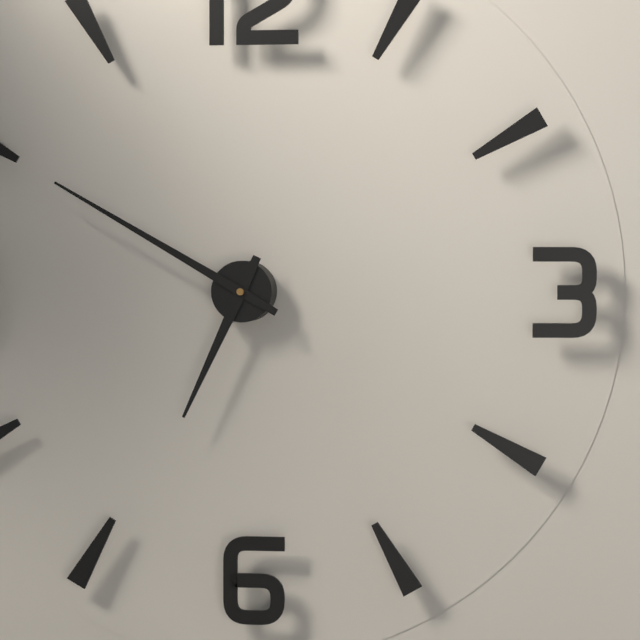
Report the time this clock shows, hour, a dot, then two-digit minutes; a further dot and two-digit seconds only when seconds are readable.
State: 6.50
